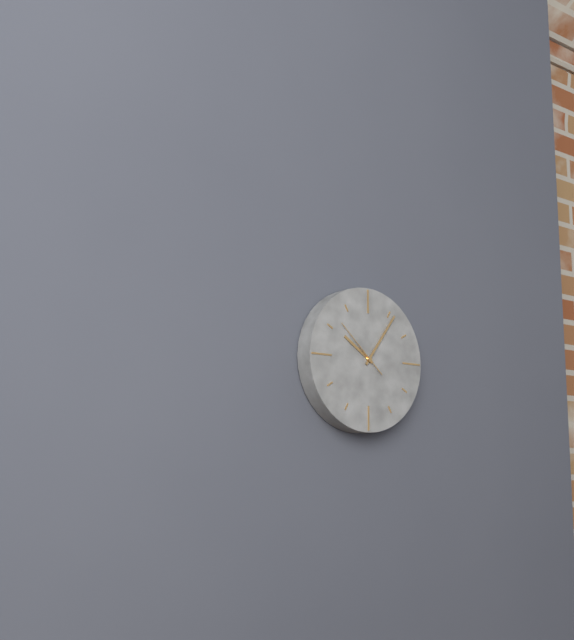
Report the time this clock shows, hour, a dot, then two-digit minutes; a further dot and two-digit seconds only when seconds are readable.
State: 10.06.52
